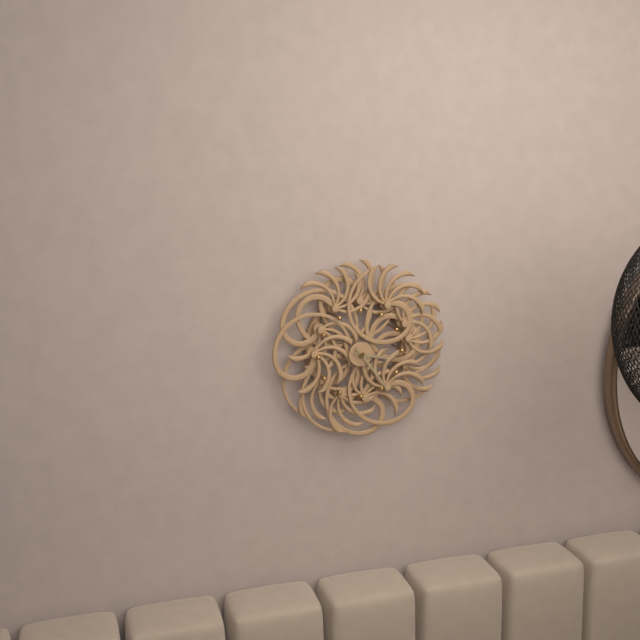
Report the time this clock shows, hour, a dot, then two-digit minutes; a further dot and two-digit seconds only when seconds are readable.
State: 3.24
